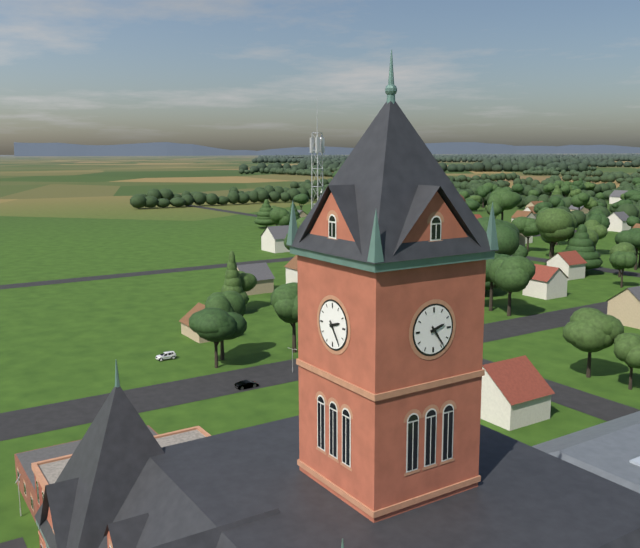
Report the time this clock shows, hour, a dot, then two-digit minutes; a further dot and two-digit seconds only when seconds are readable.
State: 2.24
